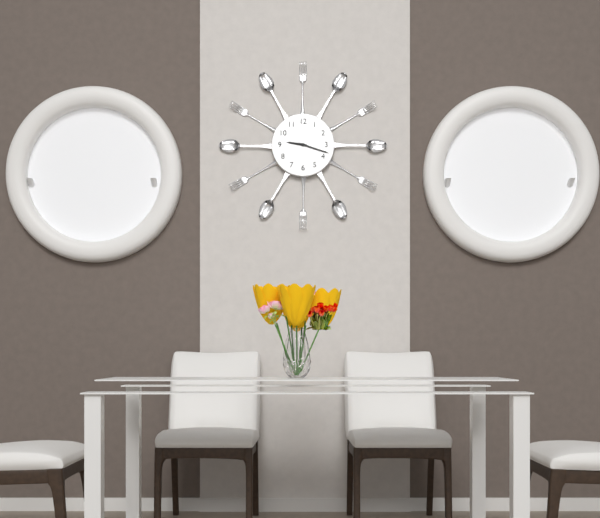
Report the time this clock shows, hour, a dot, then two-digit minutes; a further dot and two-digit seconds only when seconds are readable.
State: 9.18
